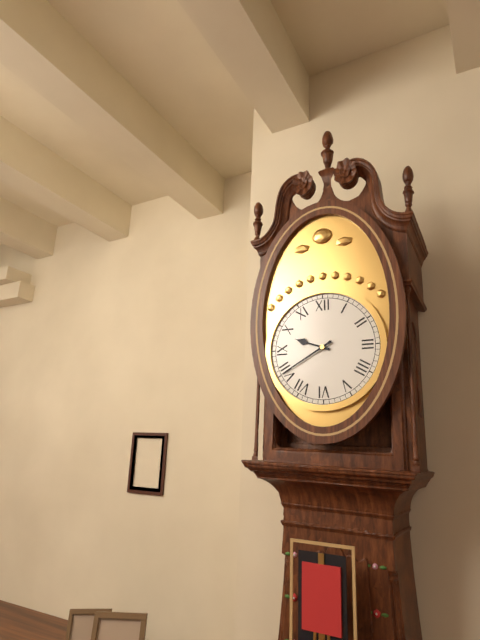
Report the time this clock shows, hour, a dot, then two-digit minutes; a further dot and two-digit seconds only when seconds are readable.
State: 9.40
